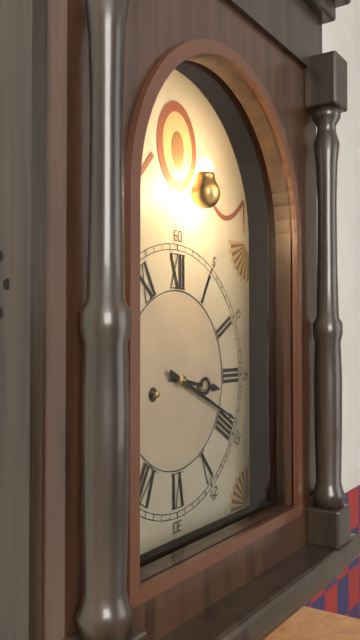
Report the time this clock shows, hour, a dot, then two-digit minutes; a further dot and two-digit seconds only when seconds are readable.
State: 3.19
